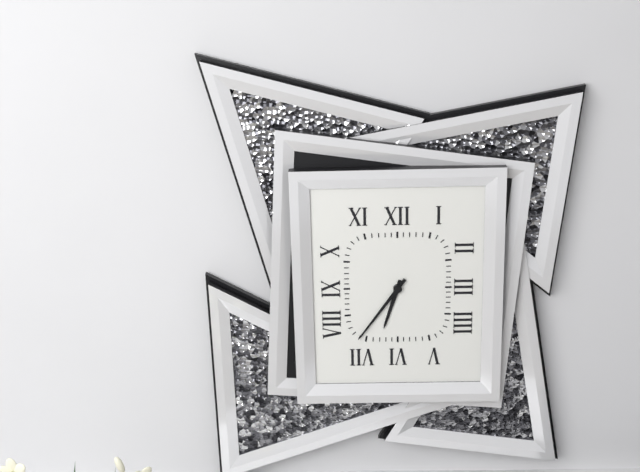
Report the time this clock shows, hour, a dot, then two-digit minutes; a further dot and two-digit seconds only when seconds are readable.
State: 6.36
